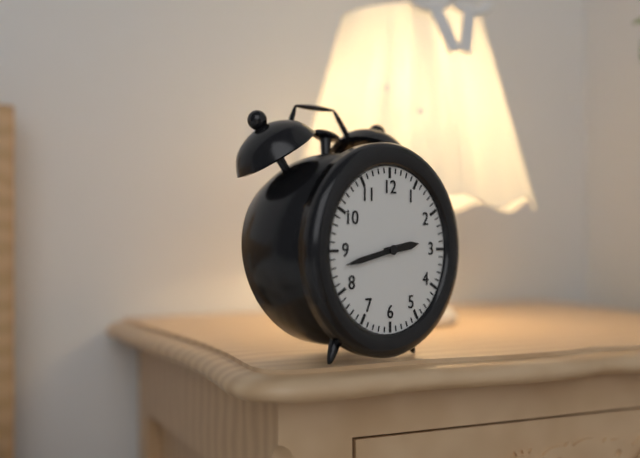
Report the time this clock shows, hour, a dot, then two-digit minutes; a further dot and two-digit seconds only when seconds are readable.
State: 2.43
